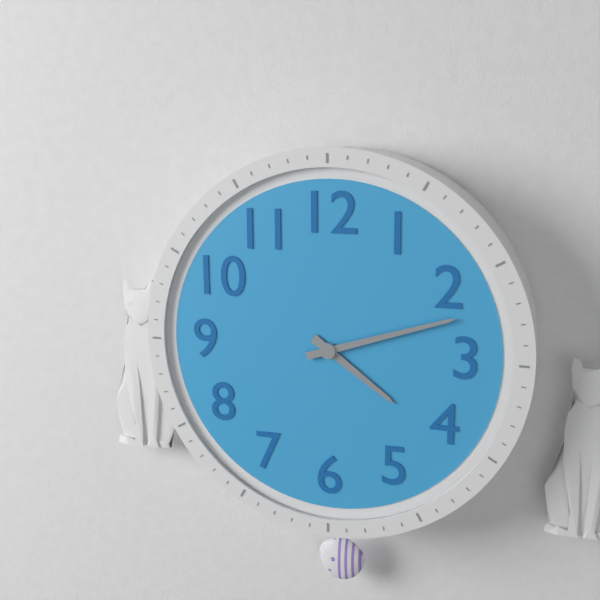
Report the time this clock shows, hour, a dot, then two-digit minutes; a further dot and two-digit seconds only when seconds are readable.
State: 4.12
